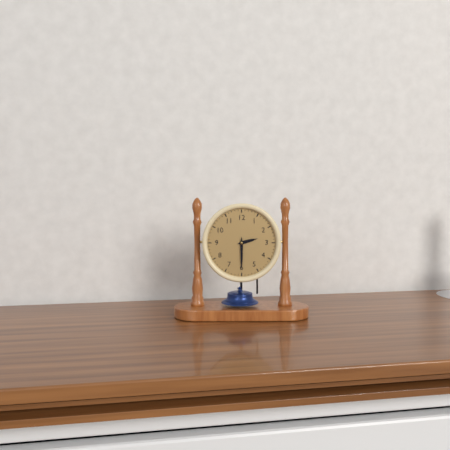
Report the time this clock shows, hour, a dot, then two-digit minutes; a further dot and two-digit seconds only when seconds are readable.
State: 2.30
